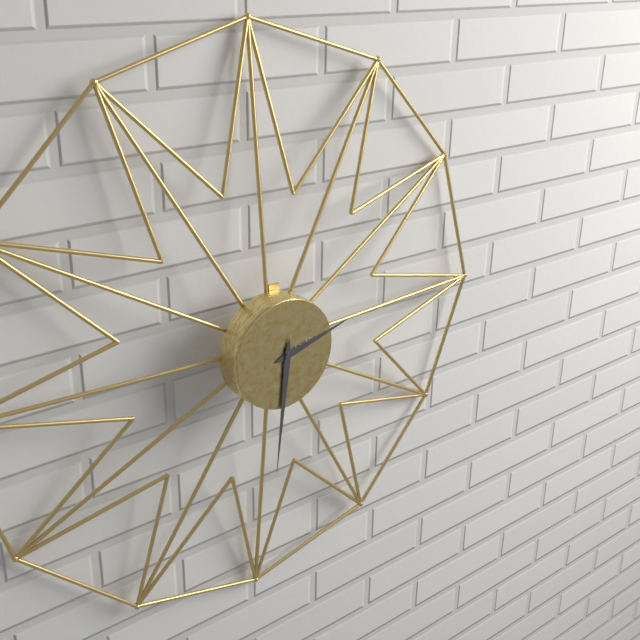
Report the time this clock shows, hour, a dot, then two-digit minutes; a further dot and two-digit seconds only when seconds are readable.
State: 2.31
